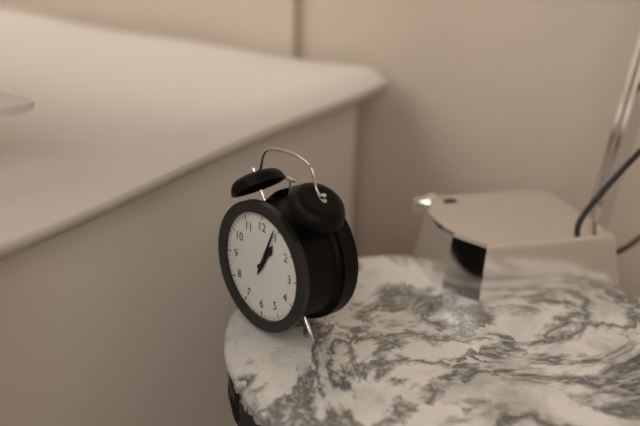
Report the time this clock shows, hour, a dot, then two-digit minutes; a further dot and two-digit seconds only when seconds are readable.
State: 1.04
